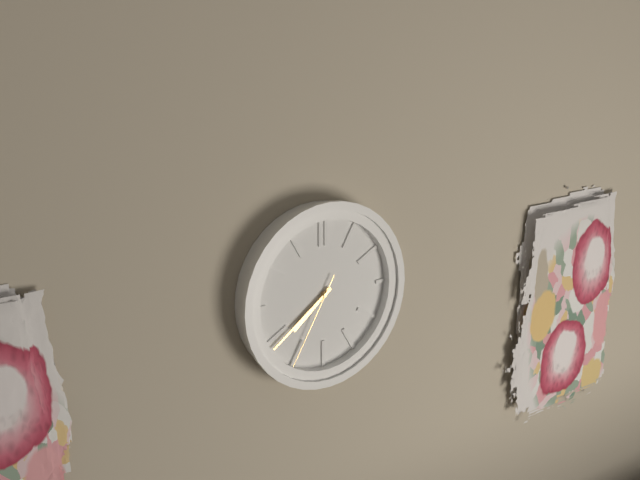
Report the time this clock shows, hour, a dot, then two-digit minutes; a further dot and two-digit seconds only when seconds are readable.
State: 7.39.35
